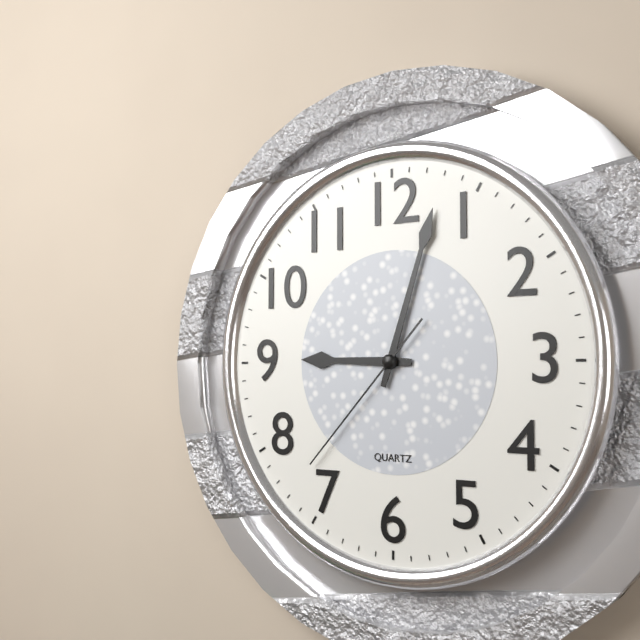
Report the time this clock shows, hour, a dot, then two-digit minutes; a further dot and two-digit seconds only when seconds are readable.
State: 9.03.37
